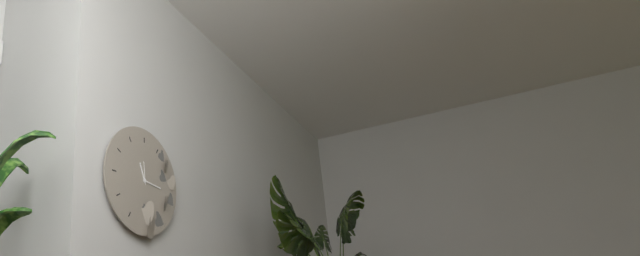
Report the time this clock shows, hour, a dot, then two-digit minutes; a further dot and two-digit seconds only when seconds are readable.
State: 11.16
